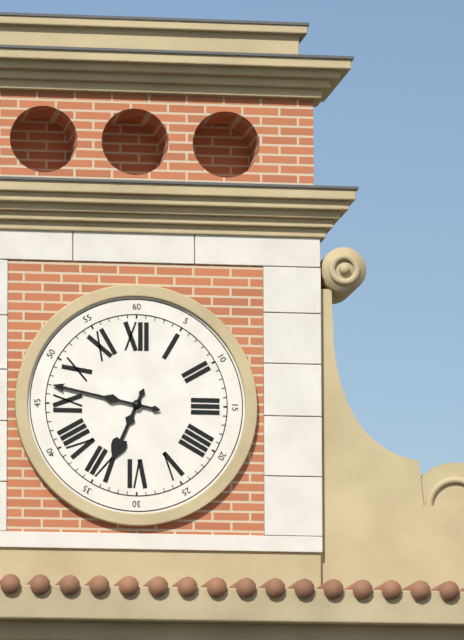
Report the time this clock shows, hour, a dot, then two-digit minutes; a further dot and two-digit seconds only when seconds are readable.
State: 6.47
